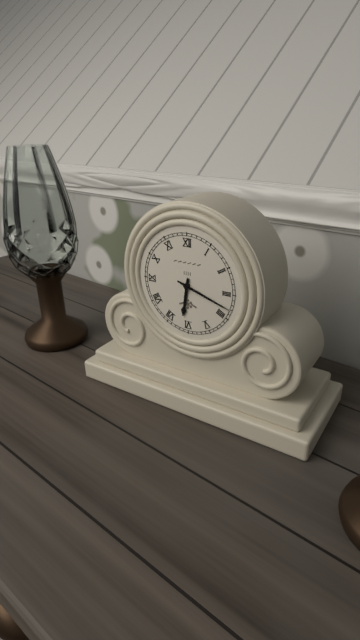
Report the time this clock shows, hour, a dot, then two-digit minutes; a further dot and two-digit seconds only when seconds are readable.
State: 6.18
